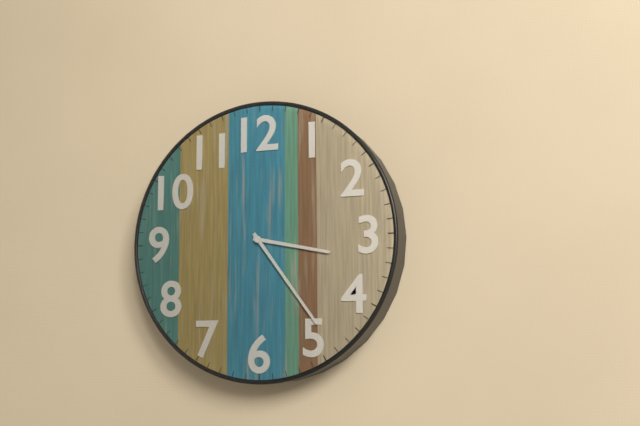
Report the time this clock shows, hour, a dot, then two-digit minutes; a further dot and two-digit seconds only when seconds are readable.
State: 3.24
